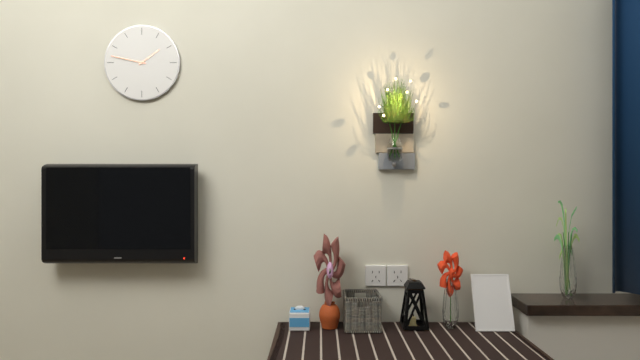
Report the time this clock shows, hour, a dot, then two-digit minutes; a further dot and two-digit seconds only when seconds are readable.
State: 1.47
